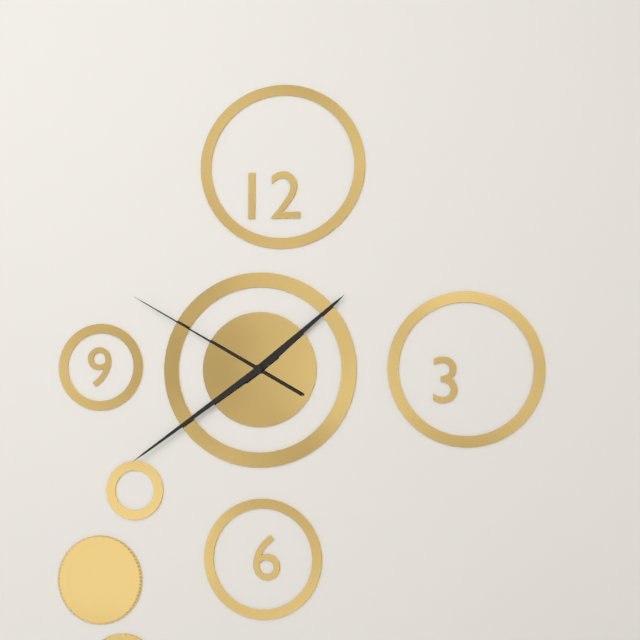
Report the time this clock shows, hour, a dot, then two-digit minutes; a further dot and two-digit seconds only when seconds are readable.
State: 1.39.50
